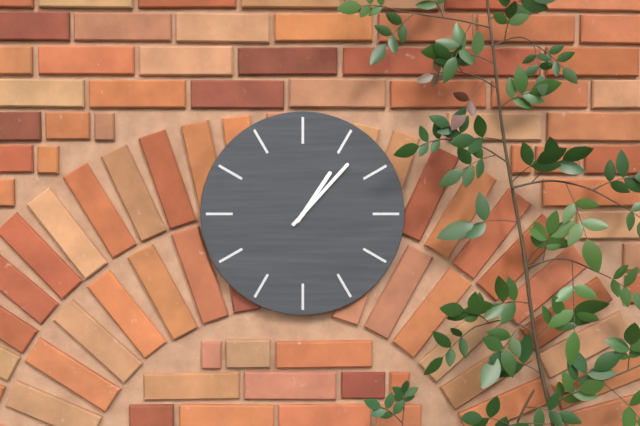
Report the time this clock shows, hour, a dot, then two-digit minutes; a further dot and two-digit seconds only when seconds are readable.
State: 1.07
